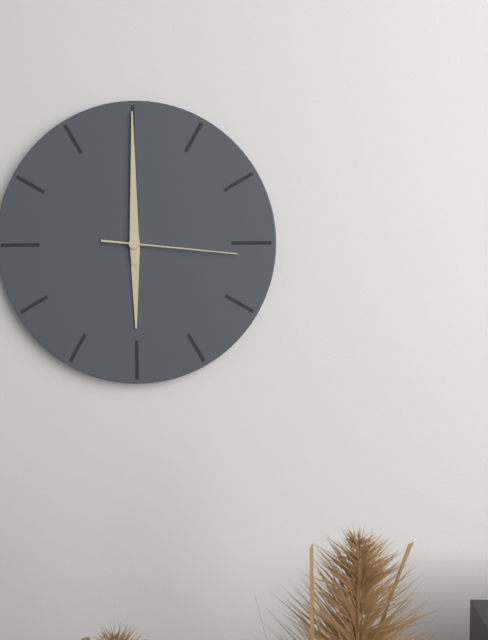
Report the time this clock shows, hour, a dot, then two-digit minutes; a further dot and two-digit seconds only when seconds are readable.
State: 6.00.16
